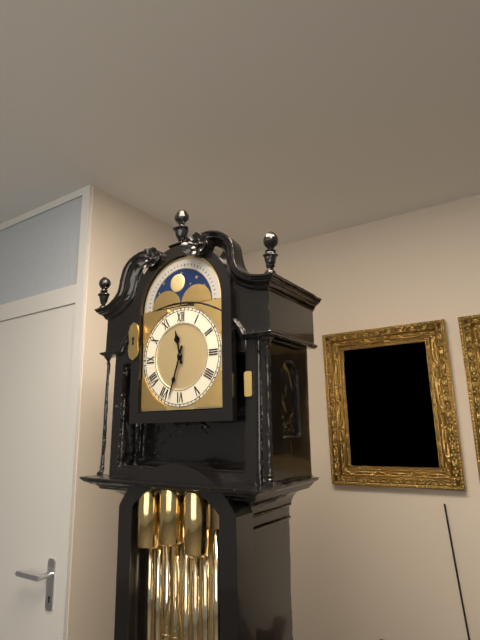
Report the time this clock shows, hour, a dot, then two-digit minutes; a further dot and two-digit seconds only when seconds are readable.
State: 11.33
